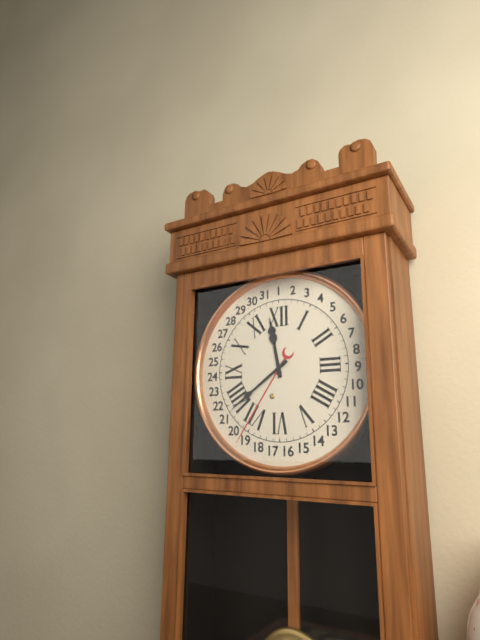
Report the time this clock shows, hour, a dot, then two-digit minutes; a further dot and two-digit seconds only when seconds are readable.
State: 11.39
